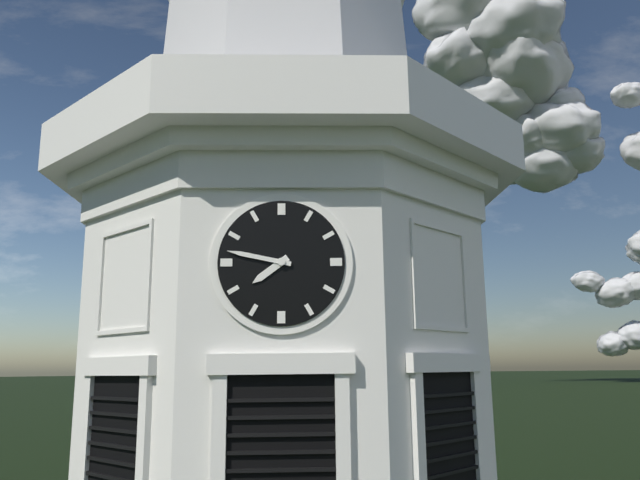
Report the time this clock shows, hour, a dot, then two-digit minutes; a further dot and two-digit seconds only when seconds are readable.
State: 7.47
